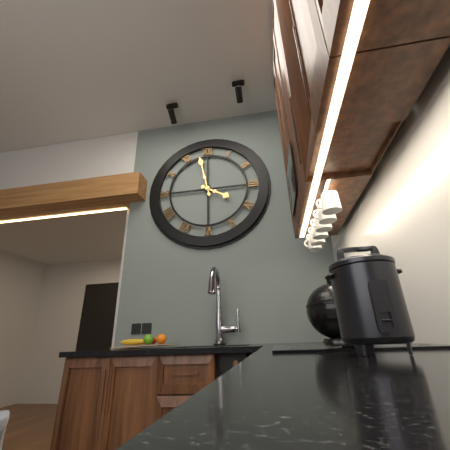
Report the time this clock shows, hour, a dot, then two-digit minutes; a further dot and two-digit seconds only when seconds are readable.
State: 3.58
